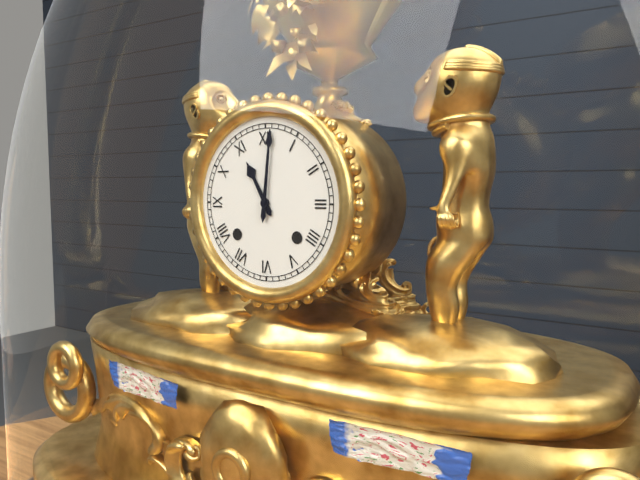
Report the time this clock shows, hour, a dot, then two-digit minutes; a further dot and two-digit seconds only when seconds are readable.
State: 11.01
